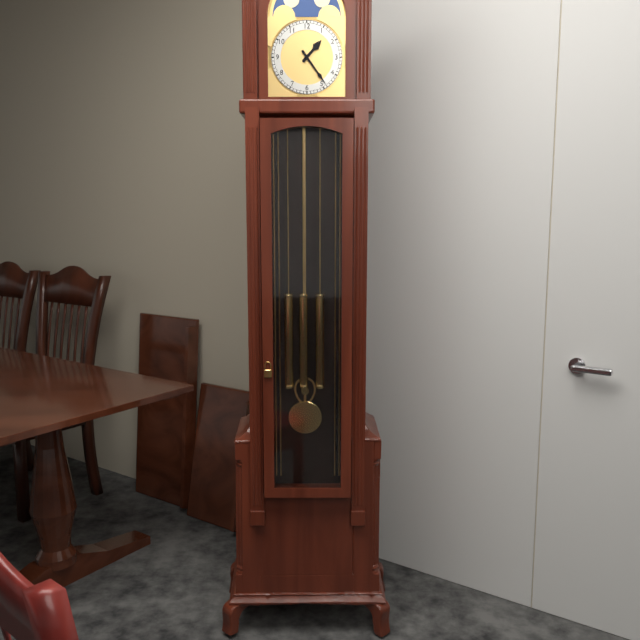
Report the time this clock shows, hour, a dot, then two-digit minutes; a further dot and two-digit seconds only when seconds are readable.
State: 1.24
